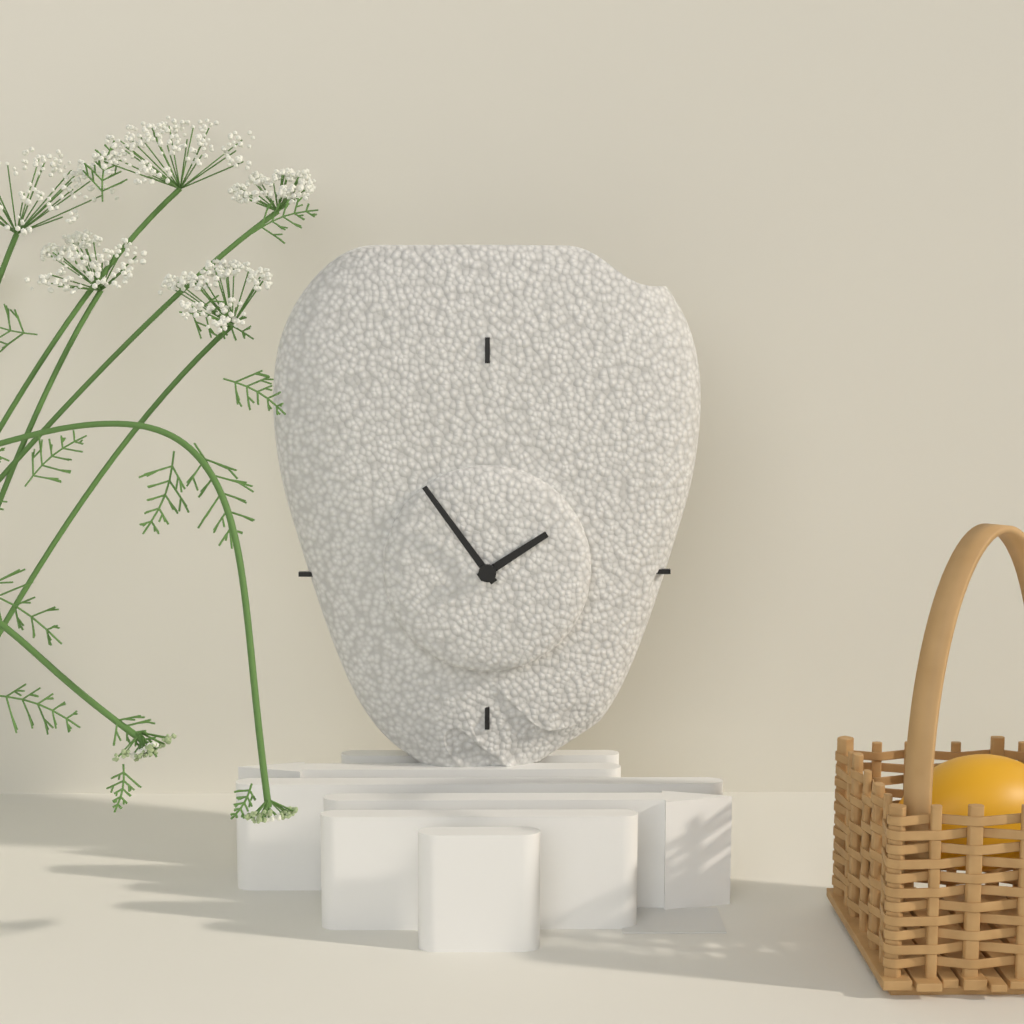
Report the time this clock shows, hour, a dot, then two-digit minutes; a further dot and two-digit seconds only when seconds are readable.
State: 1.54
